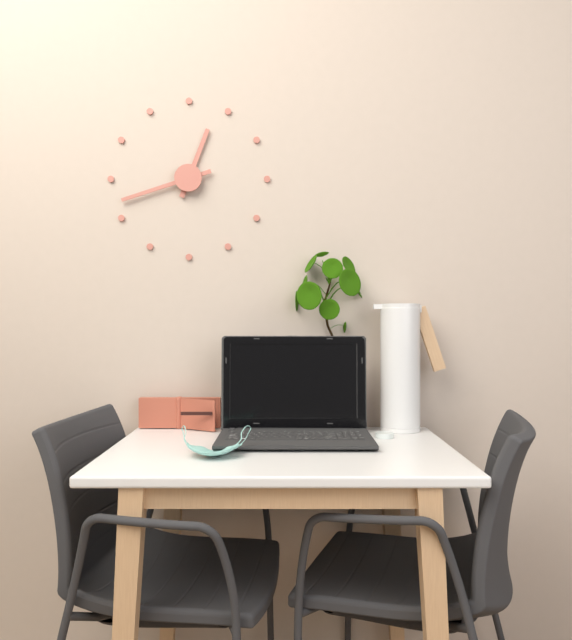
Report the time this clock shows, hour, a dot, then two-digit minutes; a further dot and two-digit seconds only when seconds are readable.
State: 12.42
